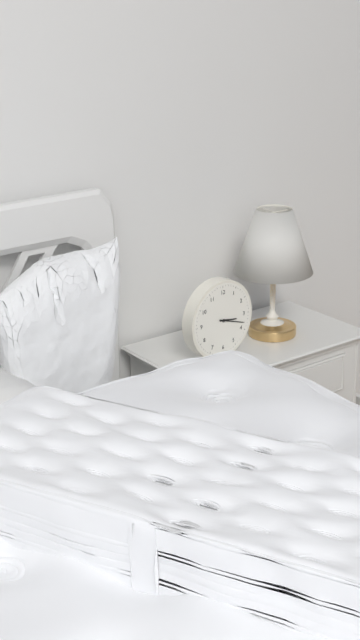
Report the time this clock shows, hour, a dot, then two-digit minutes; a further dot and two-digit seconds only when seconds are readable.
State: 3.18
